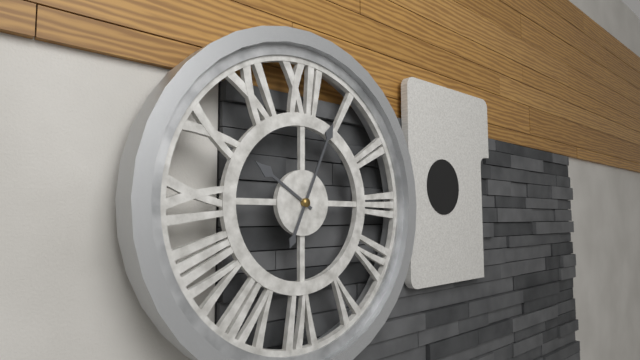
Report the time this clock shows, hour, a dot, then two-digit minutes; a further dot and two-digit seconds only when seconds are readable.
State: 10.04
